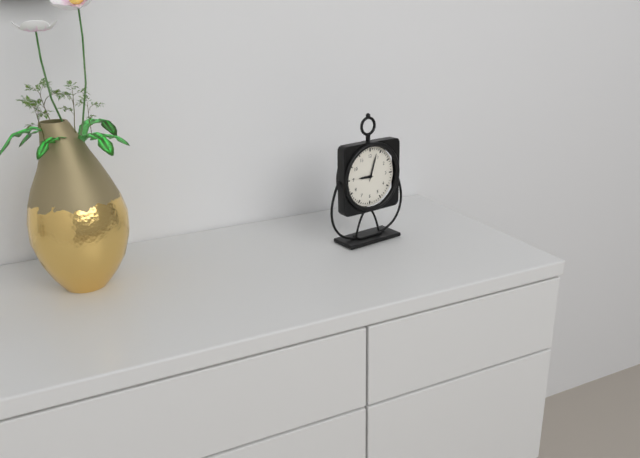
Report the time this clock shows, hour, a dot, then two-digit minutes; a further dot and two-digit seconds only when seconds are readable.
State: 9.03
